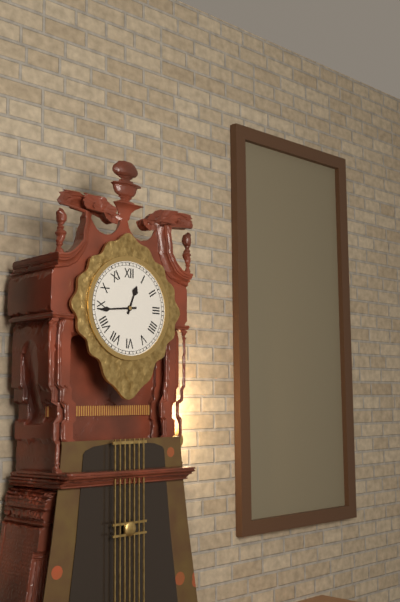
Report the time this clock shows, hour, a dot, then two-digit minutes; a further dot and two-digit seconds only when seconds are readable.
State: 12.44
